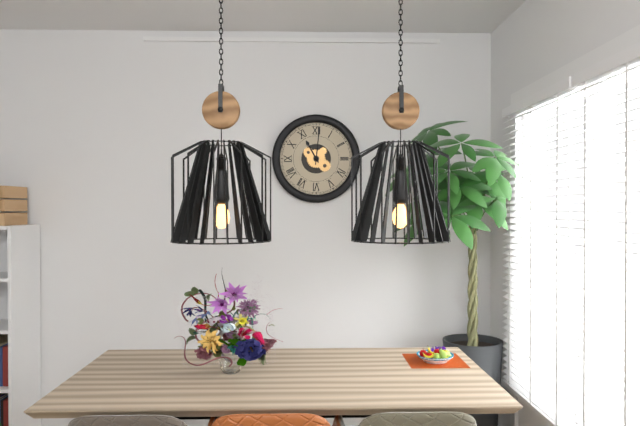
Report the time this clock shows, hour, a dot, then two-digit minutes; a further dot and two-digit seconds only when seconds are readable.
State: 11.01
